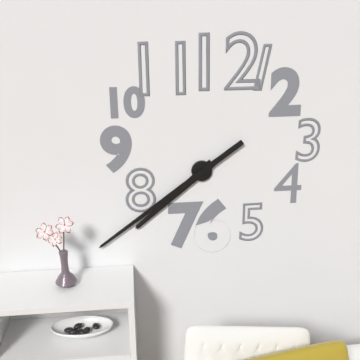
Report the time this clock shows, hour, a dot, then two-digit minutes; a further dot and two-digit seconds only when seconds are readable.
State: 7.39
